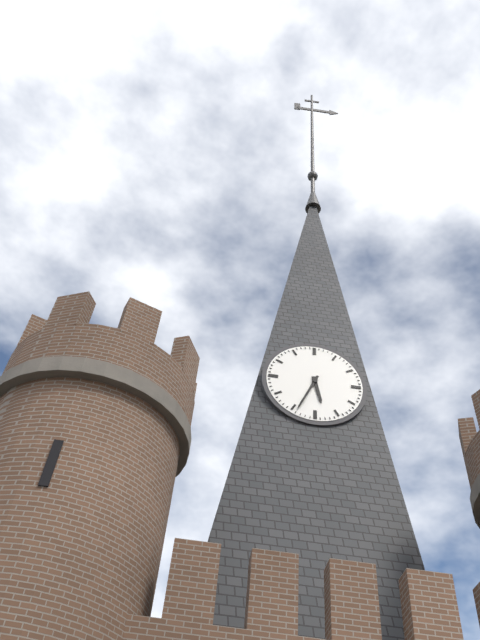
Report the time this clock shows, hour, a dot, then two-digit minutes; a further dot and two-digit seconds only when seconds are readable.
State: 5.34
